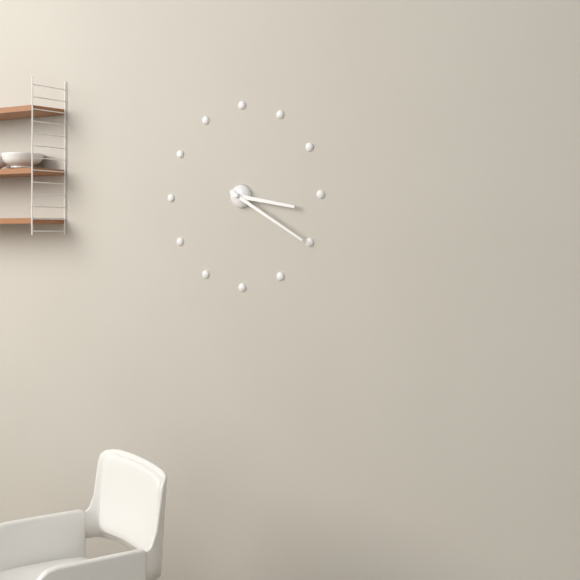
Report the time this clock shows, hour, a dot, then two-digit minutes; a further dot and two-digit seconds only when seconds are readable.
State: 3.20
